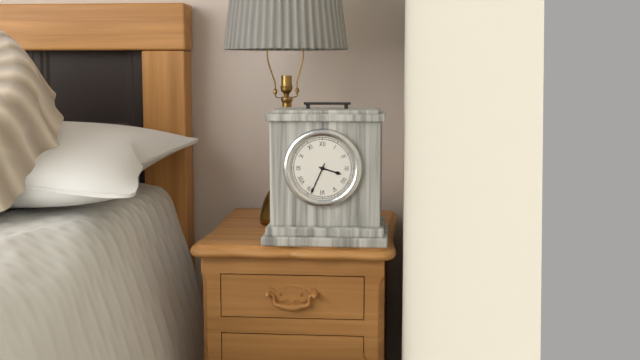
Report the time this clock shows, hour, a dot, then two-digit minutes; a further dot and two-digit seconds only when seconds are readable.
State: 3.34
